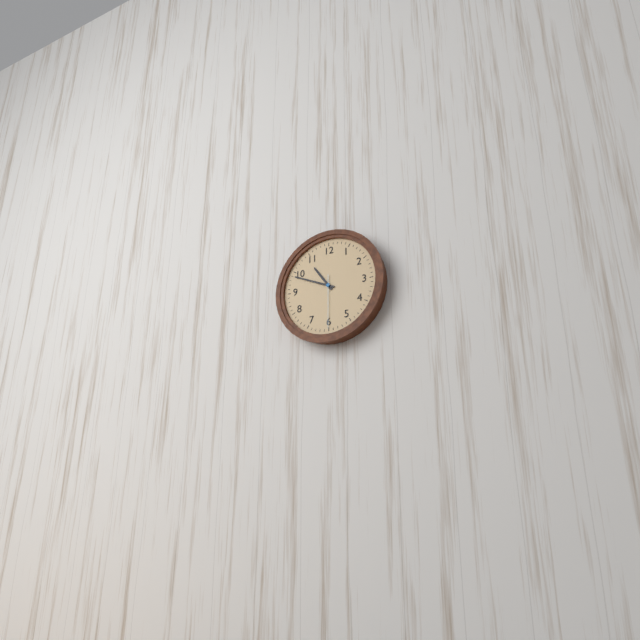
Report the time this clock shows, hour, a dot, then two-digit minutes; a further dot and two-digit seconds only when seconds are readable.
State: 10.49.30
